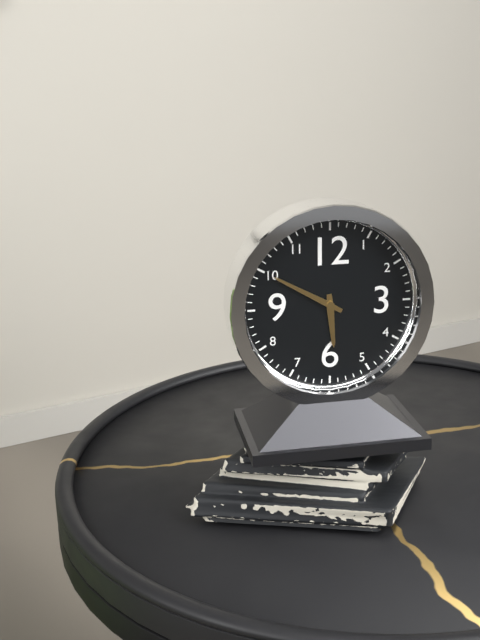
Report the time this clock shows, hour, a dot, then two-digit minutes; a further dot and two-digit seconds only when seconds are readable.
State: 5.50
